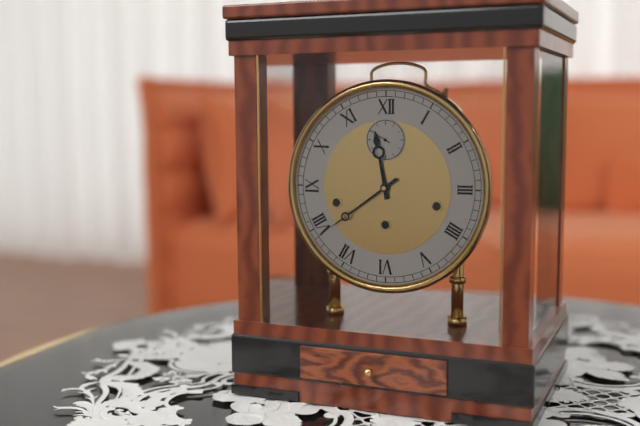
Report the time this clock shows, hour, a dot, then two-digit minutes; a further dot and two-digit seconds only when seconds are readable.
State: 11.39
